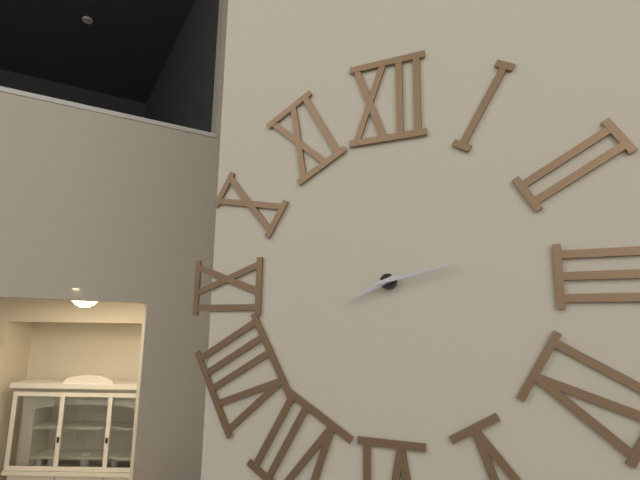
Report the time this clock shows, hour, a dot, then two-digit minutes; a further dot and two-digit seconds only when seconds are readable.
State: 8.13
